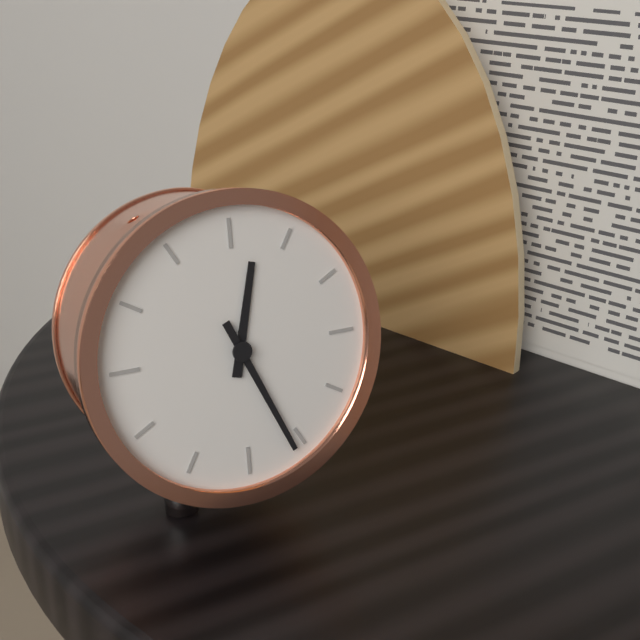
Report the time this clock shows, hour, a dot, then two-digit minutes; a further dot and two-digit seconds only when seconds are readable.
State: 12.26
